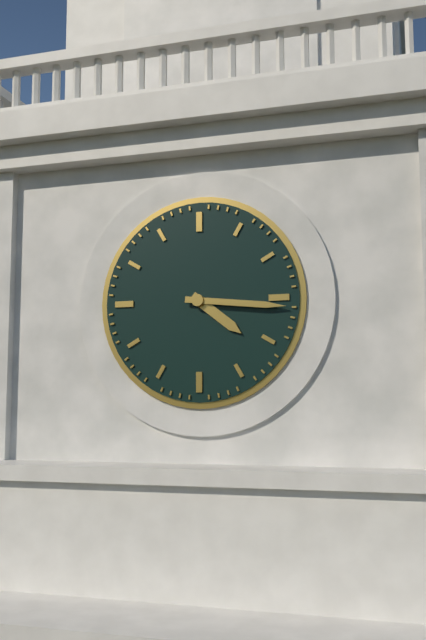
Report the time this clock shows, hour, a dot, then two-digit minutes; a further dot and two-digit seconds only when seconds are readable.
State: 4.16
